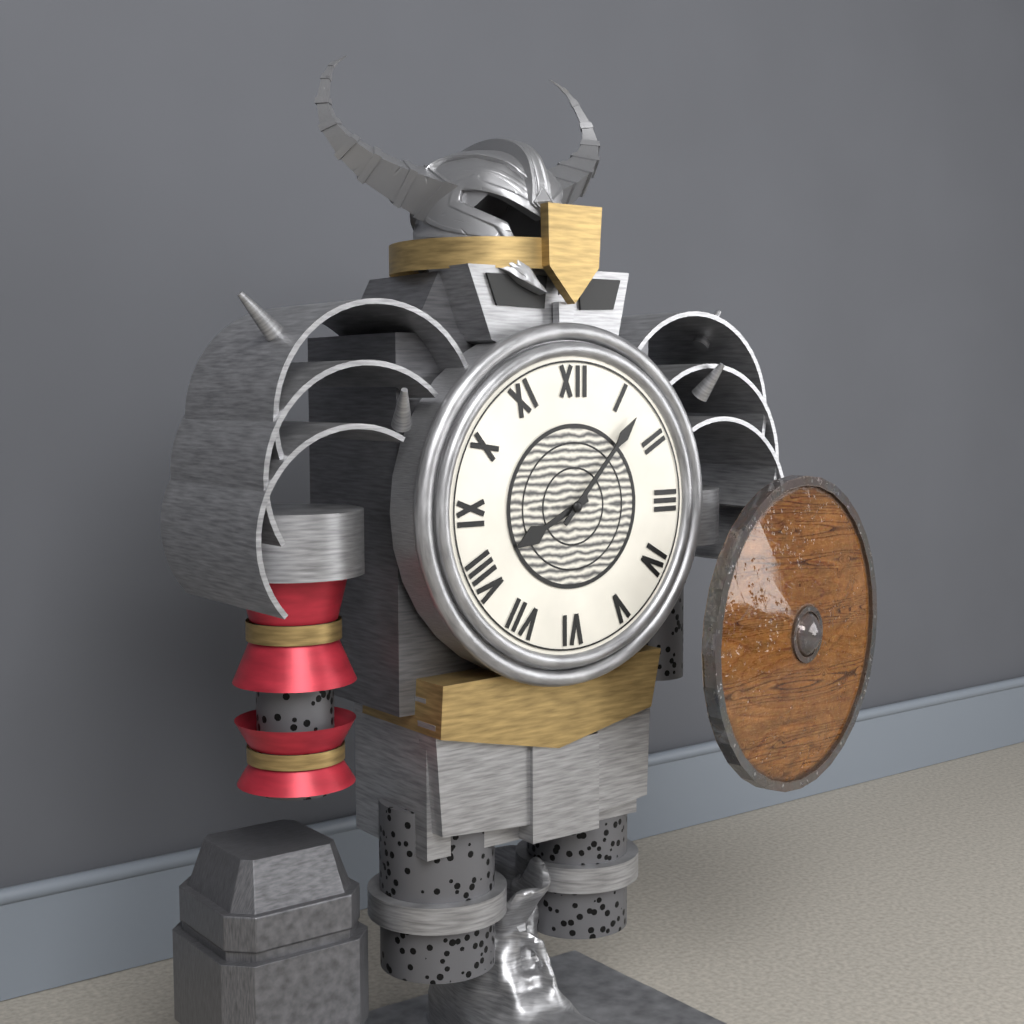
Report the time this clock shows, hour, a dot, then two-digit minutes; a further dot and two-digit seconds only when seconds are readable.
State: 8.07
